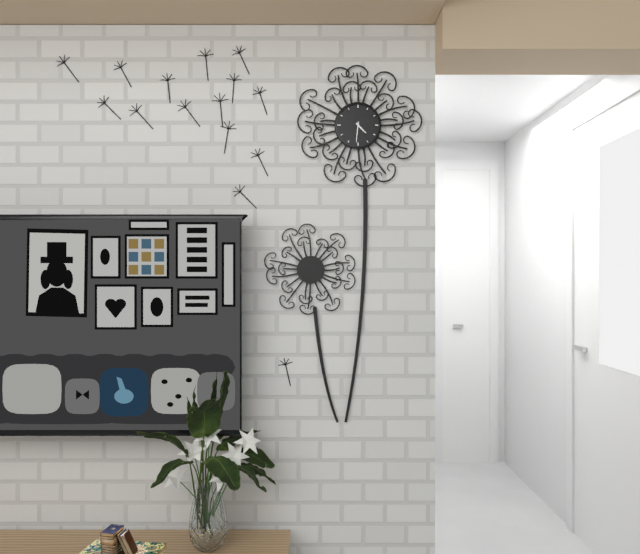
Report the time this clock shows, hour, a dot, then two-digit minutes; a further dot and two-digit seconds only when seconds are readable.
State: 4.31
